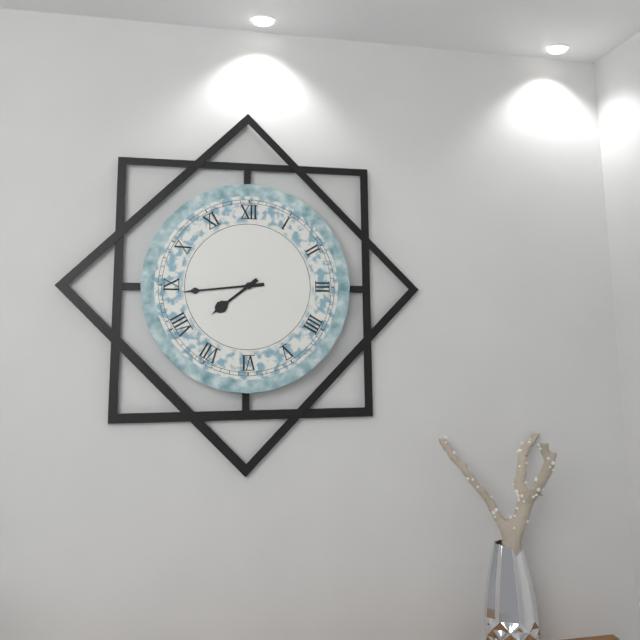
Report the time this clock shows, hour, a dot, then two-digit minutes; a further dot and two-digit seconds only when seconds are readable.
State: 7.44
